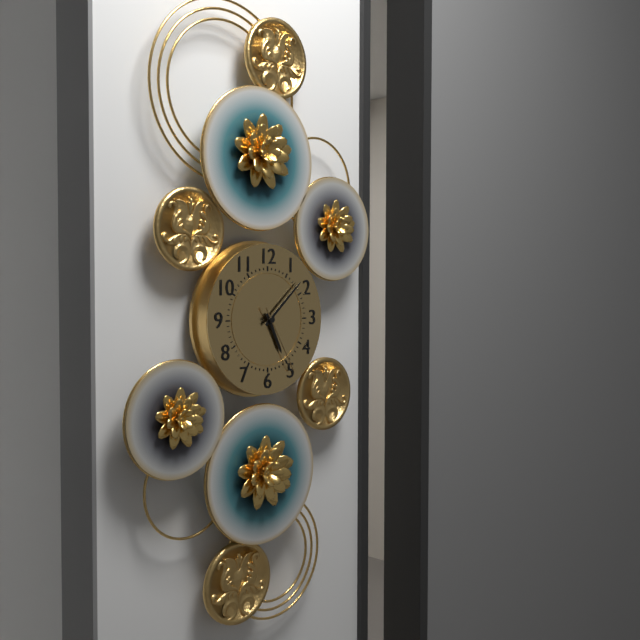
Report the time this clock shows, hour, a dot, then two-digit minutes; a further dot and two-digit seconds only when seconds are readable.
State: 5.08.25
